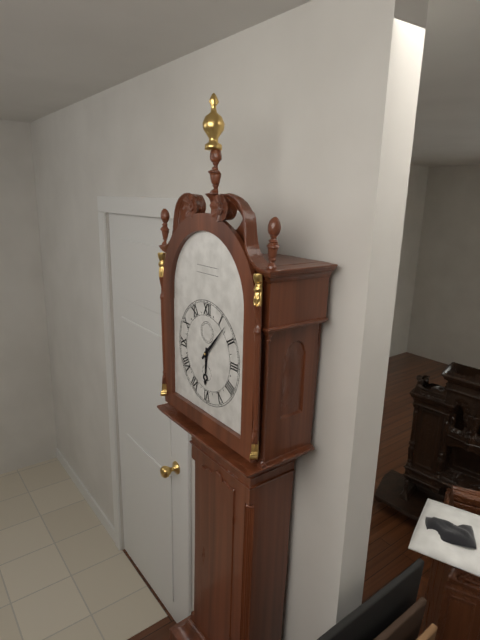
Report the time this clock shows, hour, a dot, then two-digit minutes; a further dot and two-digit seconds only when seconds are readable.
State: 6.07
